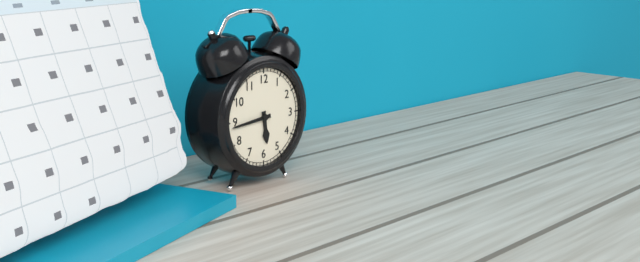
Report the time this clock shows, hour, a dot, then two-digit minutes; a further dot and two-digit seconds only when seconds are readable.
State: 5.44
